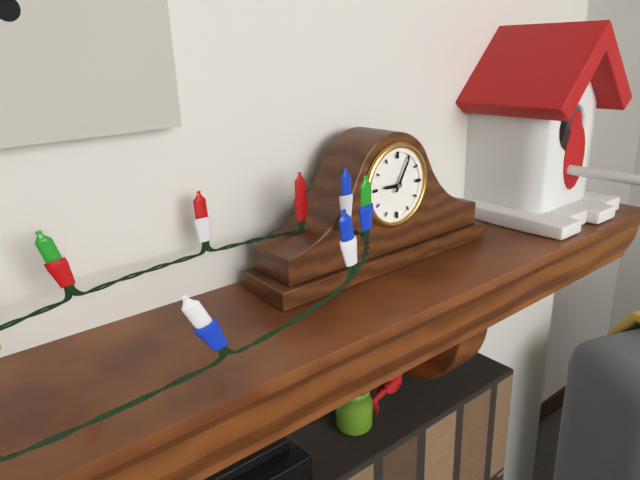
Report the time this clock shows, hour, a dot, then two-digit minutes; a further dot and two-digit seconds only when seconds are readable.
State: 9.05
